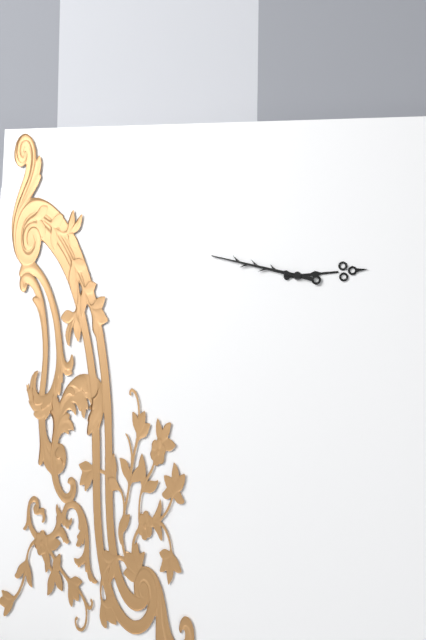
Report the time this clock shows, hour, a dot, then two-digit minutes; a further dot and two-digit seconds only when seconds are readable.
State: 2.47
